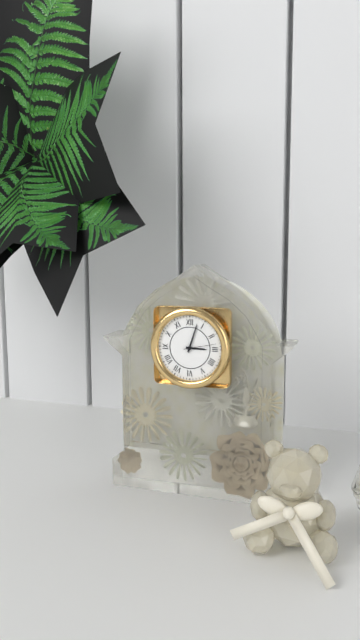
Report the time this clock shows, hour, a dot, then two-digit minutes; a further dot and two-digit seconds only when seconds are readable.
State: 3.03
